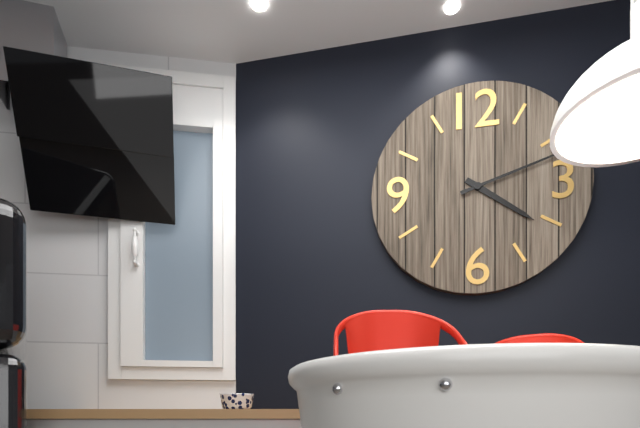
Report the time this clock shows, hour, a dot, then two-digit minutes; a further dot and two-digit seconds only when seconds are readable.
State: 4.12
